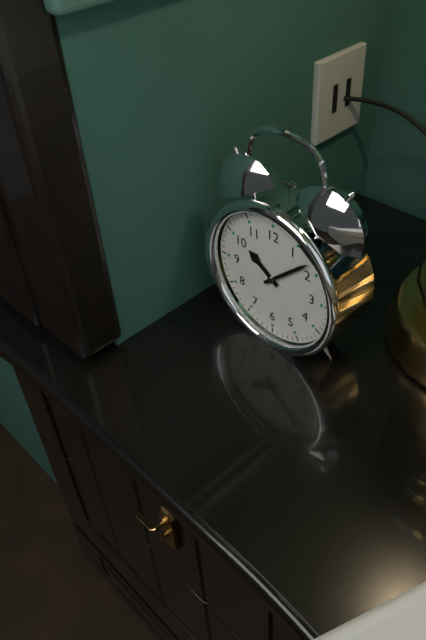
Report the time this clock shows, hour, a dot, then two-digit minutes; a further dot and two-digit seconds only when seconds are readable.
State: 10.08
